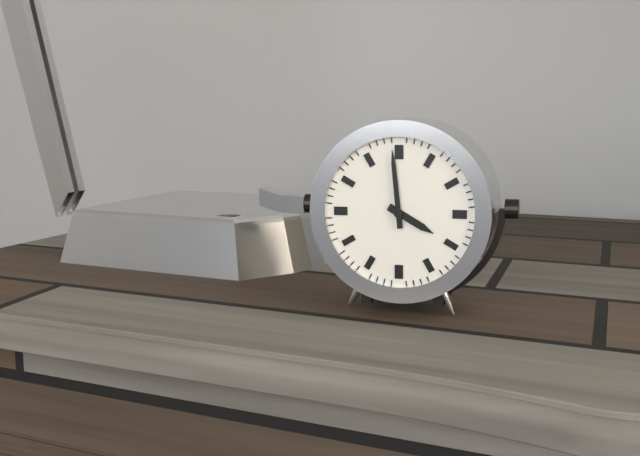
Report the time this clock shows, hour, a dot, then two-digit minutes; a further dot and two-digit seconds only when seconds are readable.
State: 3.59
